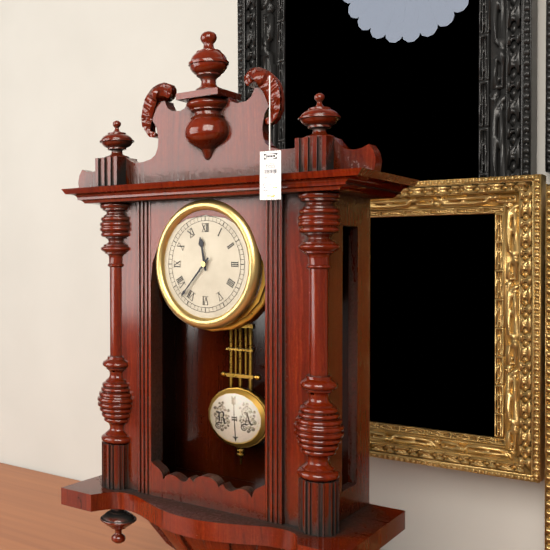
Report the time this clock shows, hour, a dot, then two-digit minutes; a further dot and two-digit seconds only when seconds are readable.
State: 11.37
